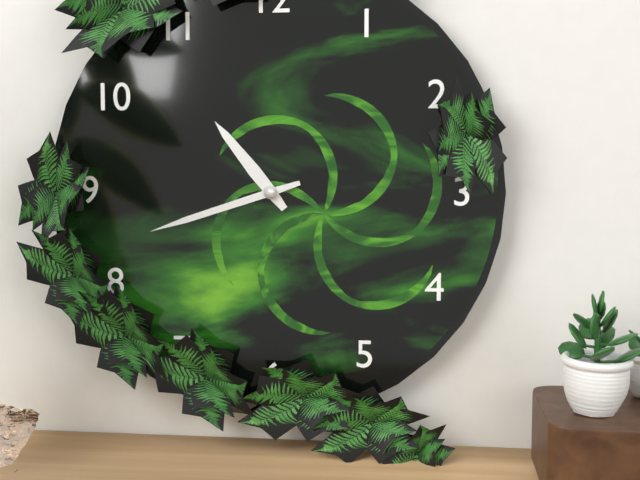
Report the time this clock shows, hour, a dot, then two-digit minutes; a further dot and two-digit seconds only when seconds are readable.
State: 10.42
